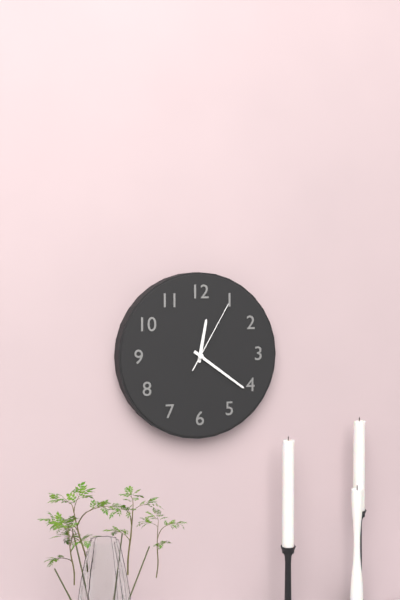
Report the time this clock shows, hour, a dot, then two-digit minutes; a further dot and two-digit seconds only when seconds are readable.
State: 12.21.05
